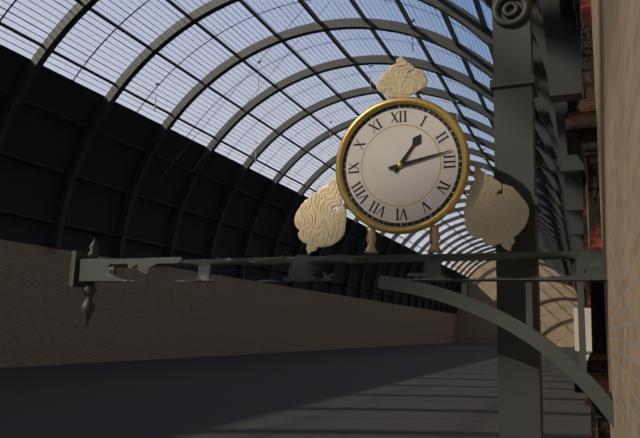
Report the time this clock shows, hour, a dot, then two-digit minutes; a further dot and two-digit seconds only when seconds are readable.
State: 1.13
